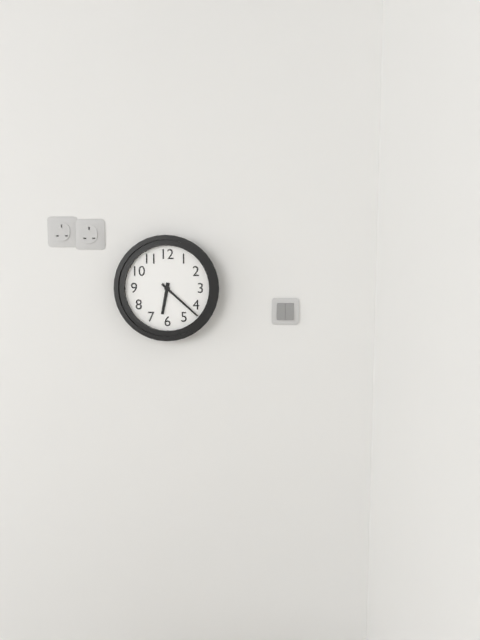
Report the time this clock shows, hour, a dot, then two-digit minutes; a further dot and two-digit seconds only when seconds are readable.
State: 6.22
